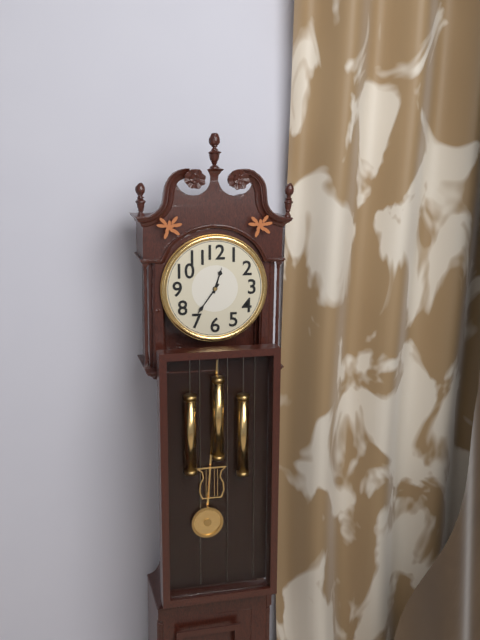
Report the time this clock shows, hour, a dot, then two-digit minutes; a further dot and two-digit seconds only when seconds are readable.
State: 12.36
